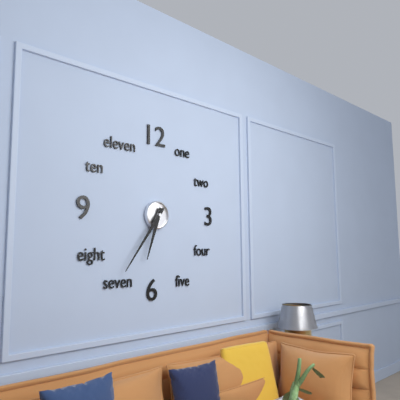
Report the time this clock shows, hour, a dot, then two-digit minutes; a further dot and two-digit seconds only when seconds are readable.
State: 6.36
